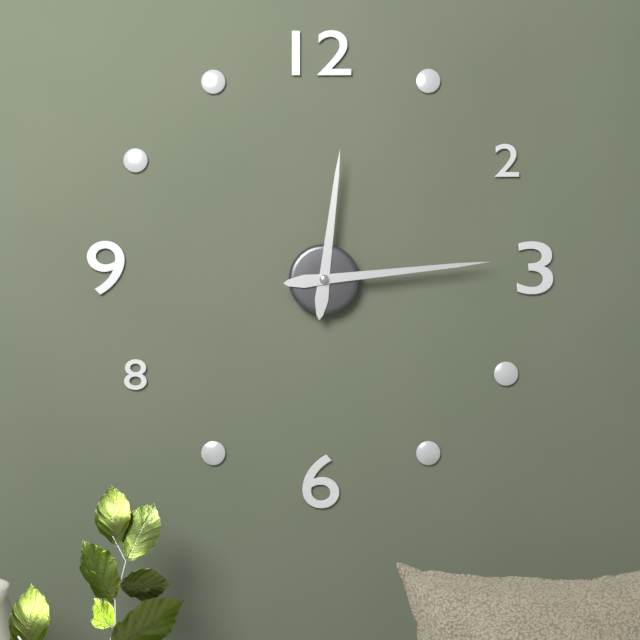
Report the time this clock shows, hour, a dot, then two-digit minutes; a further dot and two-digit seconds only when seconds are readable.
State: 12.14
